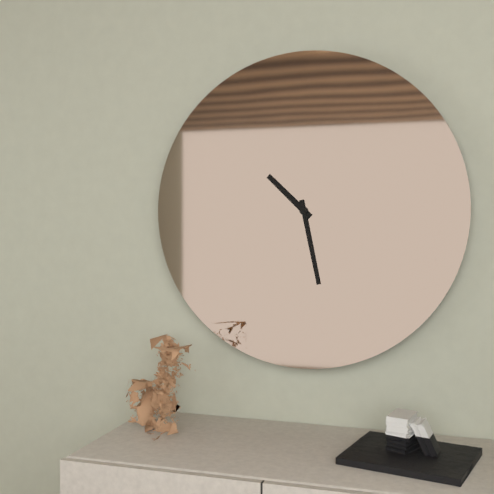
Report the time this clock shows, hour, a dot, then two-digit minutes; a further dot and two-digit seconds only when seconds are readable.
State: 10.28
